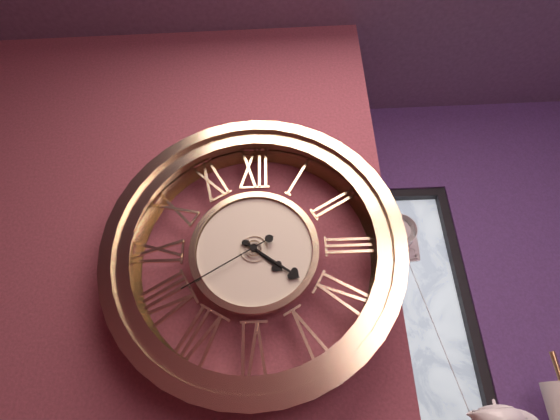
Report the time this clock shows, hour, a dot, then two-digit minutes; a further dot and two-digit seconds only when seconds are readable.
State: 4.21.40
